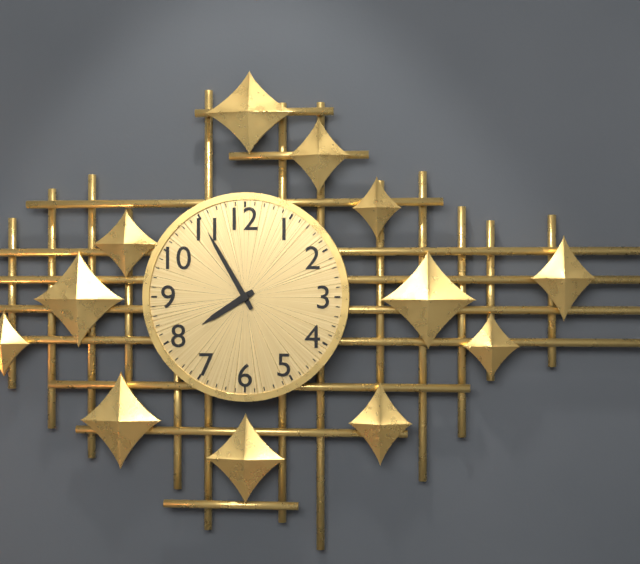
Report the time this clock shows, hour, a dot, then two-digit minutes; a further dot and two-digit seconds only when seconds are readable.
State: 7.55
